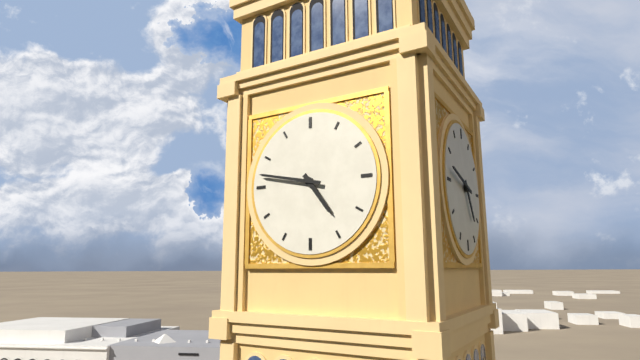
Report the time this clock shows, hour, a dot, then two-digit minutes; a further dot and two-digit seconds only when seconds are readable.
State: 4.47
